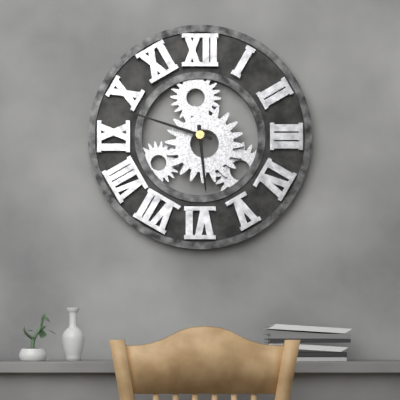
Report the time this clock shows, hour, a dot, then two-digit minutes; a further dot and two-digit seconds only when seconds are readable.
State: 5.48
